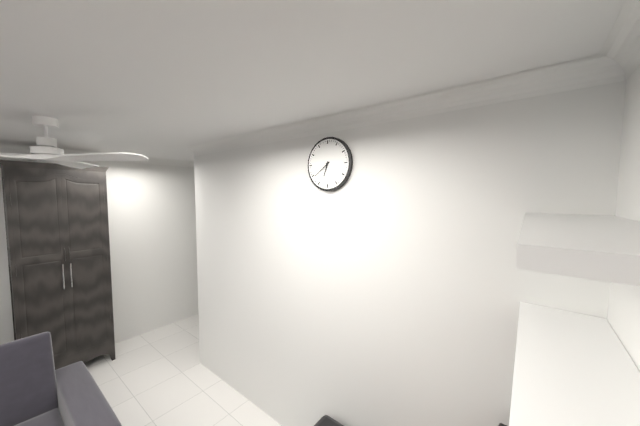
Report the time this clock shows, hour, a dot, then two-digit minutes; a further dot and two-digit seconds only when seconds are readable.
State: 6.39
